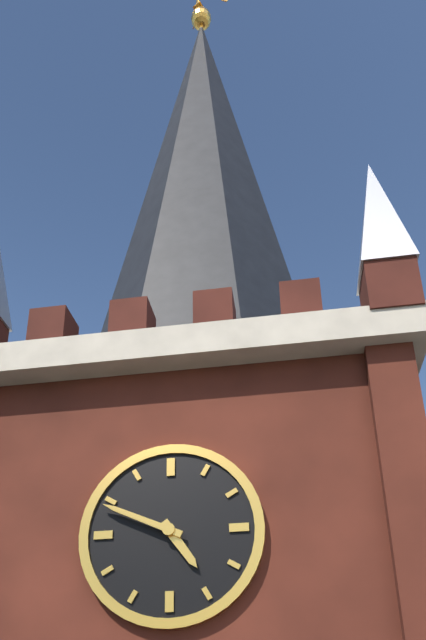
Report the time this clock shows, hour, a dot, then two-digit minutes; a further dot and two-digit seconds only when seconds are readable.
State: 4.49
